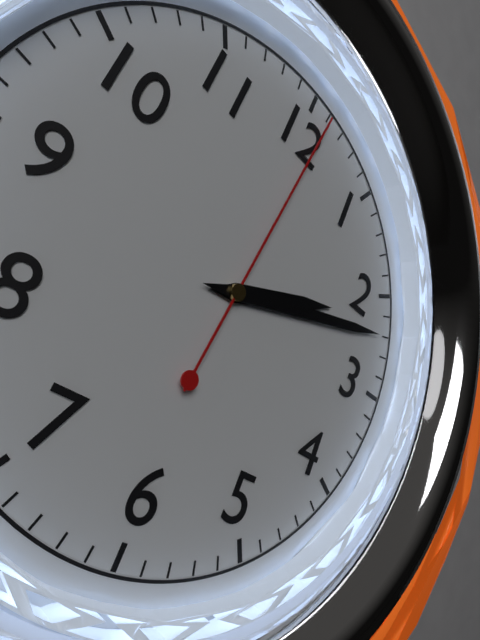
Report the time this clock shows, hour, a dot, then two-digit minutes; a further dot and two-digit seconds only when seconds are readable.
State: 2.12.01
